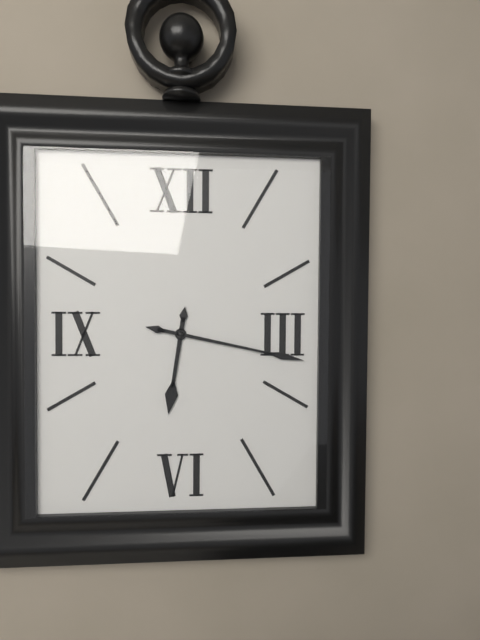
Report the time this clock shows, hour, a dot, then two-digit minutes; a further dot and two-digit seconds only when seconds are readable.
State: 6.17
